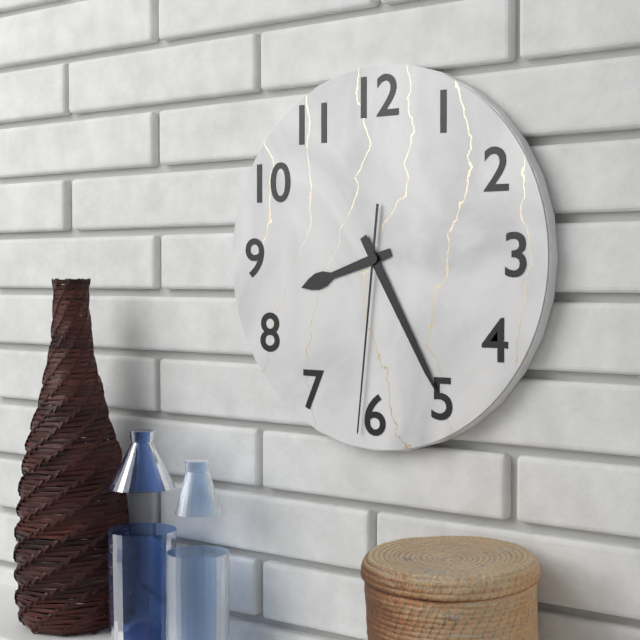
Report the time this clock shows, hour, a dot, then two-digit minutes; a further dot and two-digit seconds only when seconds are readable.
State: 8.25.31
